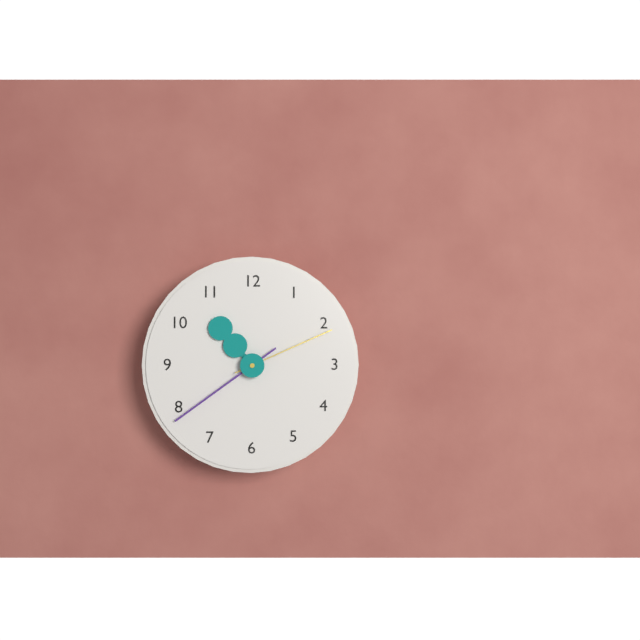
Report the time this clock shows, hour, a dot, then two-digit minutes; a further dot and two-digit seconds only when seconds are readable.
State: 10.39.11
